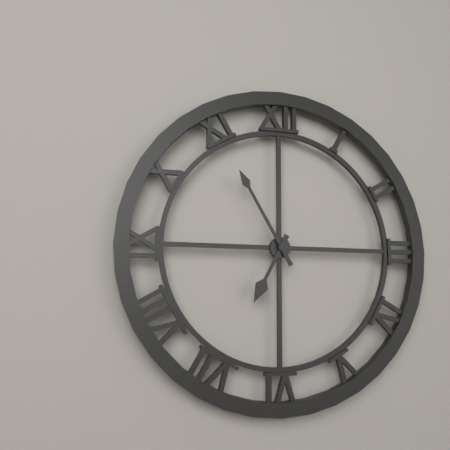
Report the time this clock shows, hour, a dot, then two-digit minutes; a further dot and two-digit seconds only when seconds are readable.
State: 6.55
